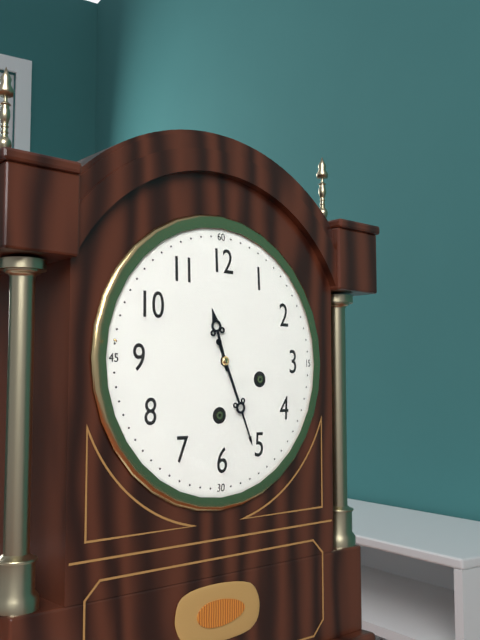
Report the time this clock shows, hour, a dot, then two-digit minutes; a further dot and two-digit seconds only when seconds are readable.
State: 11.26
